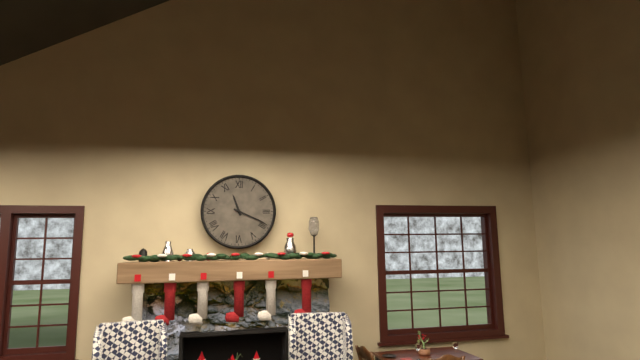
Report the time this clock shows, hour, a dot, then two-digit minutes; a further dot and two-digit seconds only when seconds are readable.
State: 11.19
